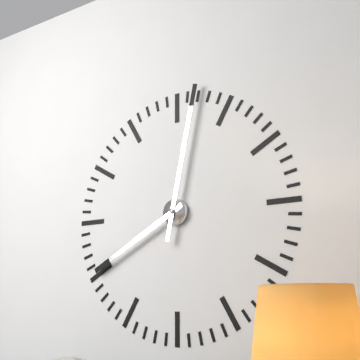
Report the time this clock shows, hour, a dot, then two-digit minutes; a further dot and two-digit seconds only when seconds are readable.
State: 8.02
